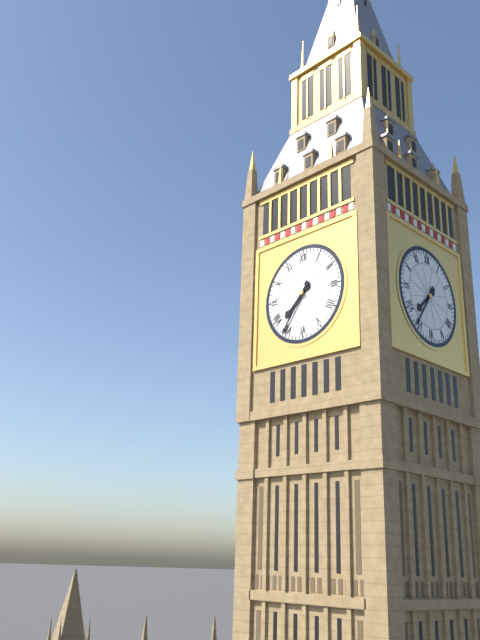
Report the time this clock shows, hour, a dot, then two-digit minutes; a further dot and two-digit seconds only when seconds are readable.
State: 7.36
